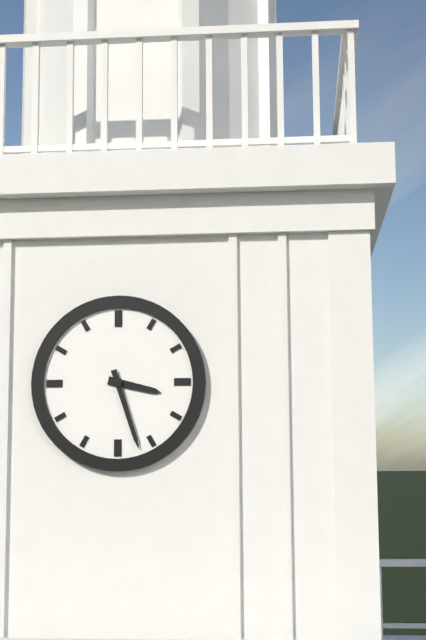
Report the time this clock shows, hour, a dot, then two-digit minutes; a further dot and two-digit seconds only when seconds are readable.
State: 3.27
